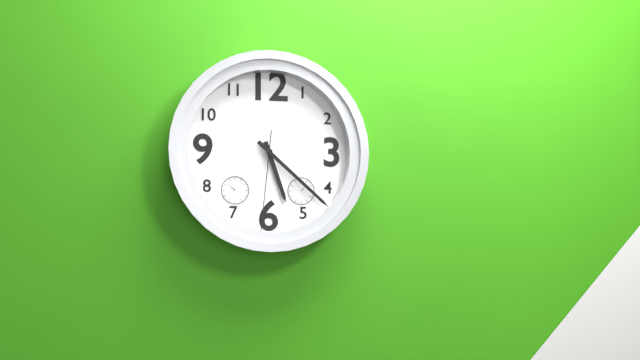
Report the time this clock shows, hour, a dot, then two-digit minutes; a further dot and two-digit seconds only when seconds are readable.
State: 5.22.31
